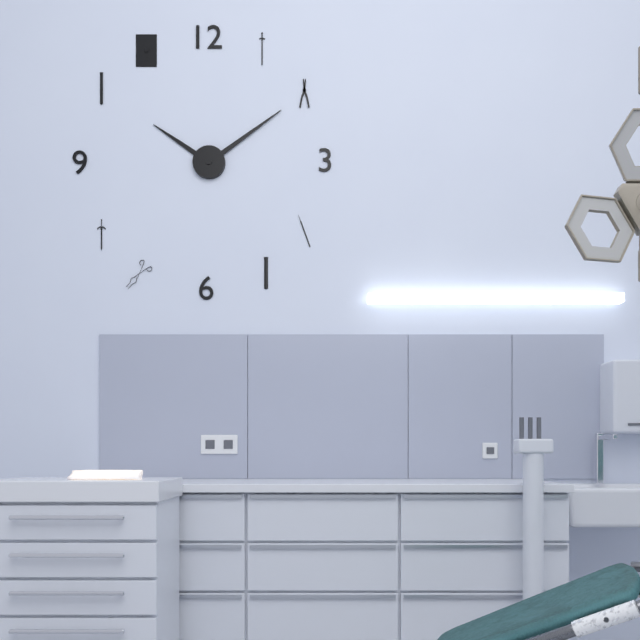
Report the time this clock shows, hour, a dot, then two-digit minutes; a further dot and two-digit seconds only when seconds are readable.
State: 10.09
